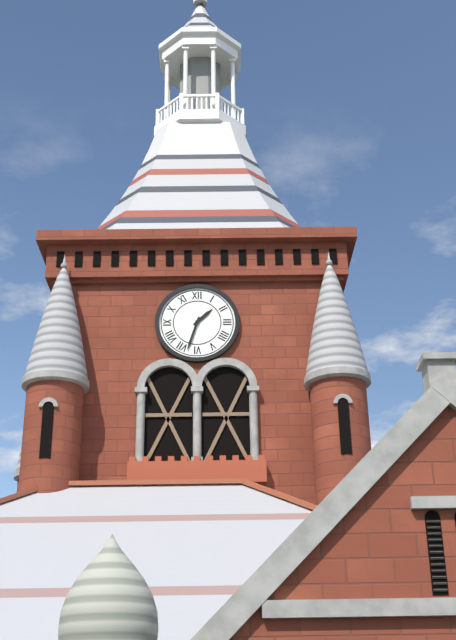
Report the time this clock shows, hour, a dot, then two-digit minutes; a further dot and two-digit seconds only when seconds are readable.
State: 1.33
